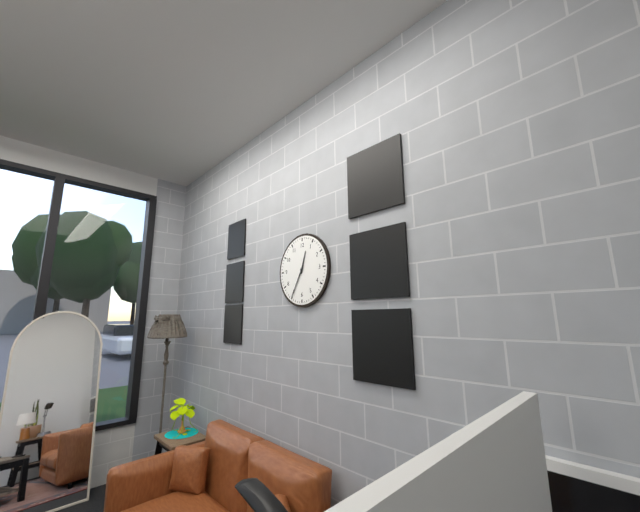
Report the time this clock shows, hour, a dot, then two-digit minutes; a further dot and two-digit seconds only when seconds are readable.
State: 12.35
